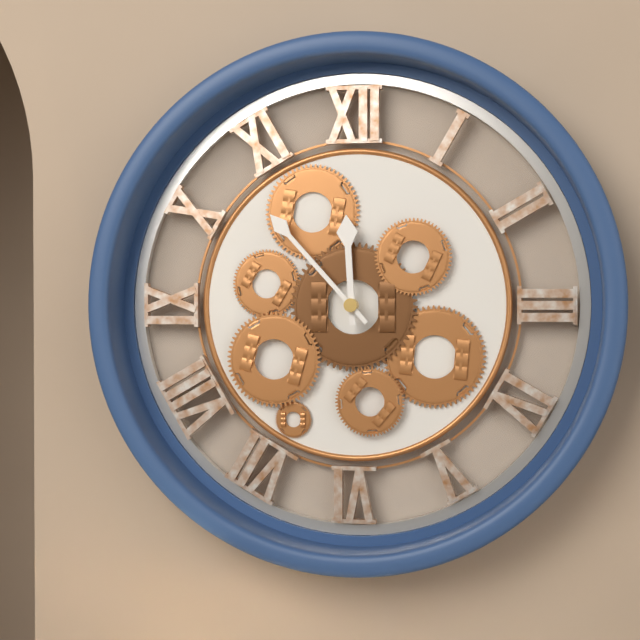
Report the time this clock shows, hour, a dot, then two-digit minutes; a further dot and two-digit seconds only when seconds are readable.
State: 11.53
